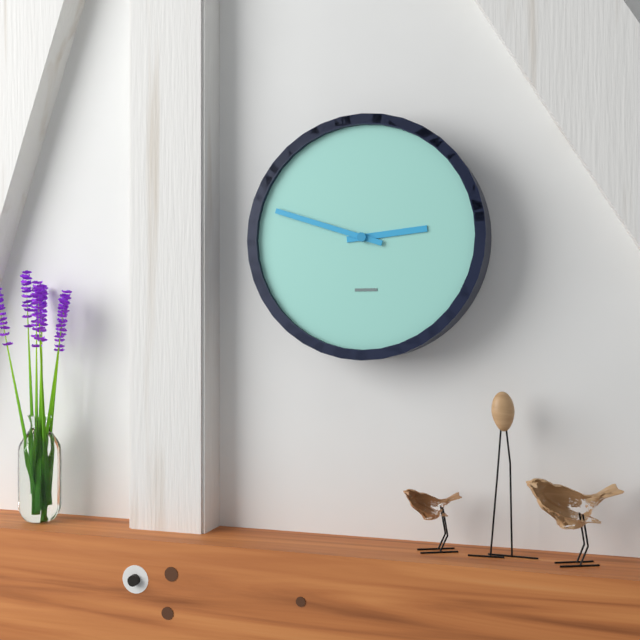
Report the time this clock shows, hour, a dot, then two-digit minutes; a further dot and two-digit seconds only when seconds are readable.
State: 2.48
